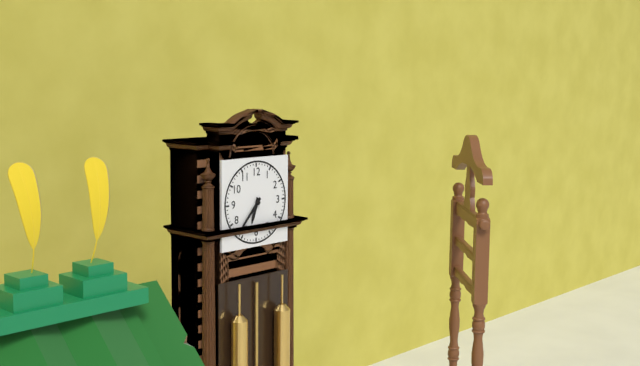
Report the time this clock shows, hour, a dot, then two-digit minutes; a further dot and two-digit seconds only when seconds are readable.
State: 6.37
